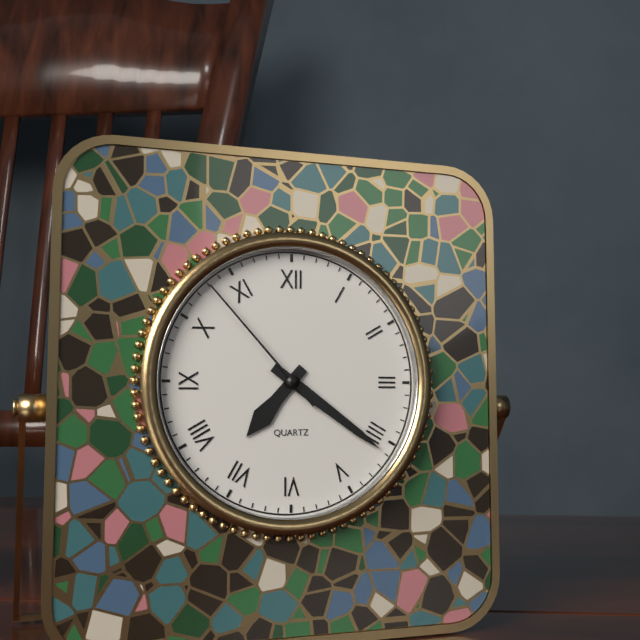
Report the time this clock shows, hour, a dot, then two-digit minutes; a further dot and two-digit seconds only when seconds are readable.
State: 7.21.53
